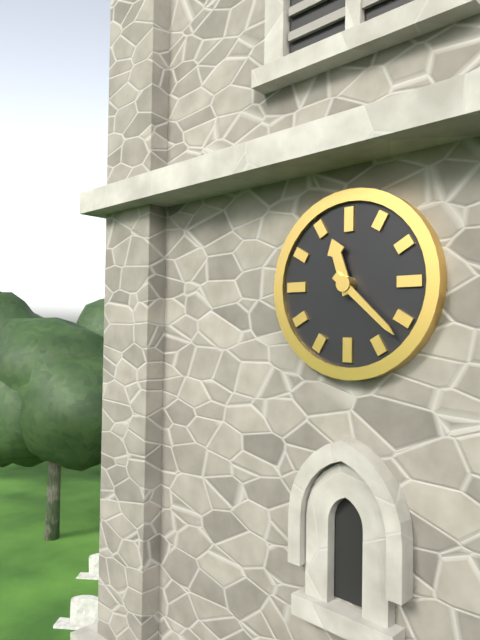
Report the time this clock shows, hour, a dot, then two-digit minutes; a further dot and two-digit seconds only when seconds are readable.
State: 11.22
